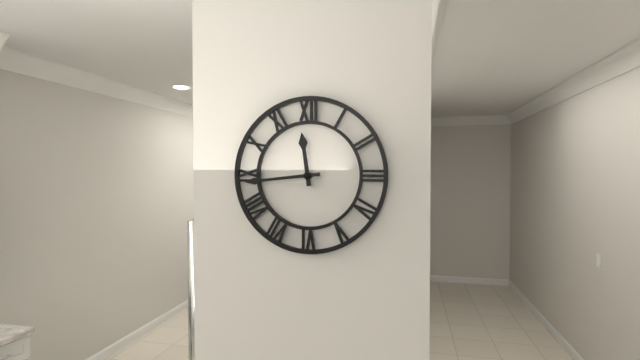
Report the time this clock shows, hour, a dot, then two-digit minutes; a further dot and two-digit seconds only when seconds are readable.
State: 11.44
